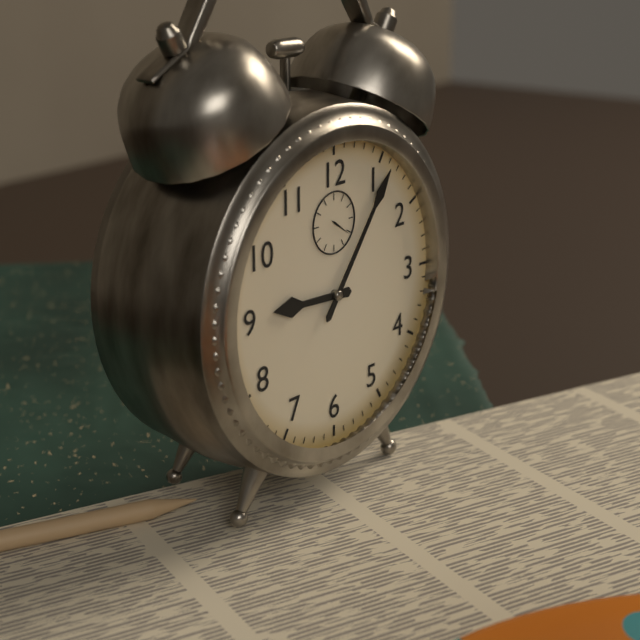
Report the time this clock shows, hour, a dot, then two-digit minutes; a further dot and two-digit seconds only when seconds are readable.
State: 9.06
